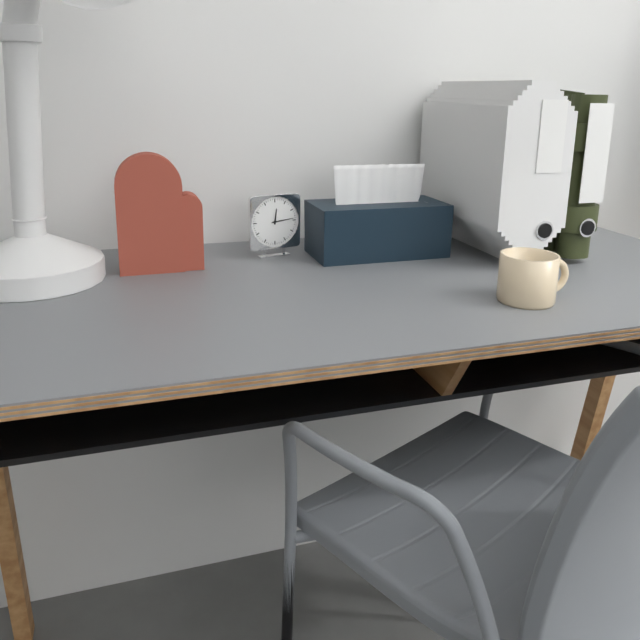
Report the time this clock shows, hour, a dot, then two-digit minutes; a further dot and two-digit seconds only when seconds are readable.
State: 12.14
